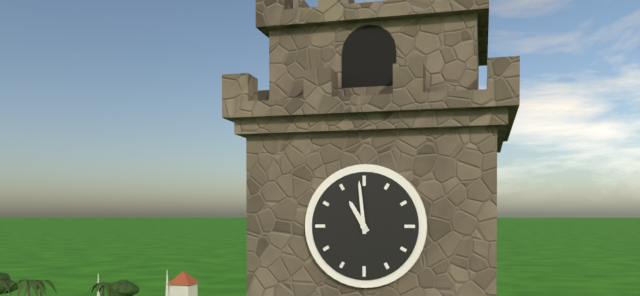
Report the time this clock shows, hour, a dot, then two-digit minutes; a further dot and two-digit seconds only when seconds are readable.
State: 10.59
